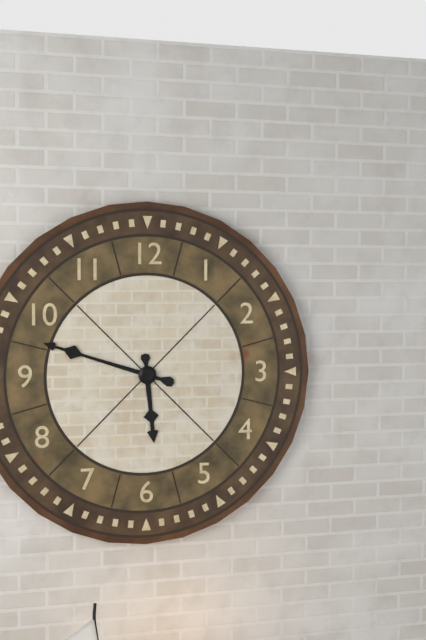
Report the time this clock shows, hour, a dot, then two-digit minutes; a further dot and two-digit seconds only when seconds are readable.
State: 5.48
